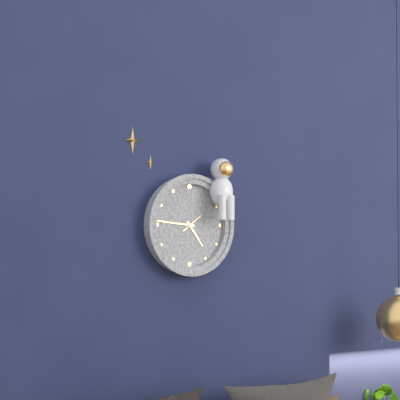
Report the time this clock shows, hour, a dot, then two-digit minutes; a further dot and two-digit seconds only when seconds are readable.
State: 4.46
